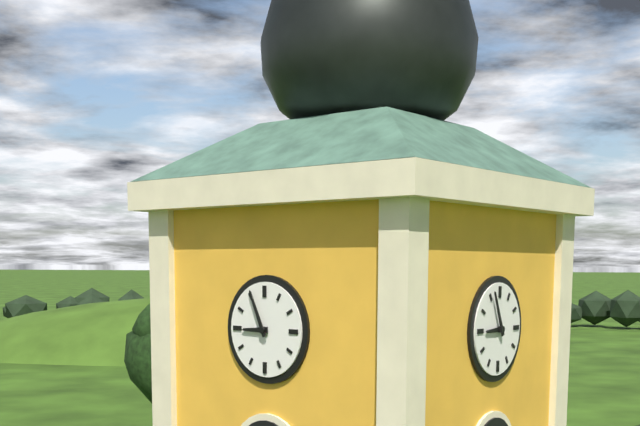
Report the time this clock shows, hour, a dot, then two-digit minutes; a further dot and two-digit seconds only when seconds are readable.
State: 8.56
